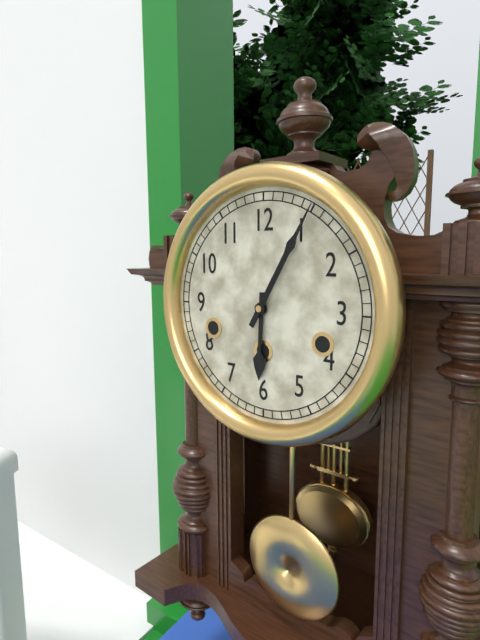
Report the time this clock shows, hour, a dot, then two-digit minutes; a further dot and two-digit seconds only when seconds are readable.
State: 6.05
